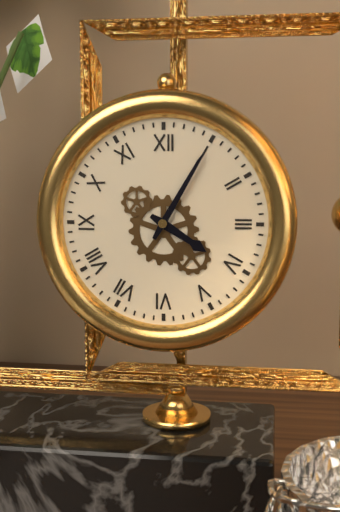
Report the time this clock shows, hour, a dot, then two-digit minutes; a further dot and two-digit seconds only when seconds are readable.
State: 4.05
